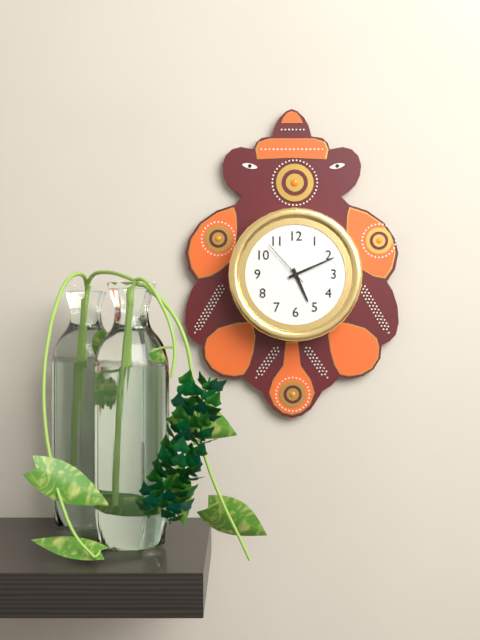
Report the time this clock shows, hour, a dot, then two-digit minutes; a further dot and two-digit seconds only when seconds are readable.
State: 5.11.53
